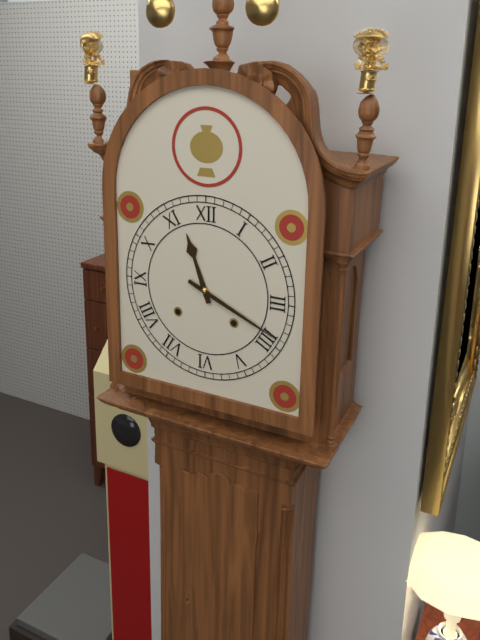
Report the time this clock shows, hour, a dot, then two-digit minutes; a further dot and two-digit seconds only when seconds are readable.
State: 11.19
